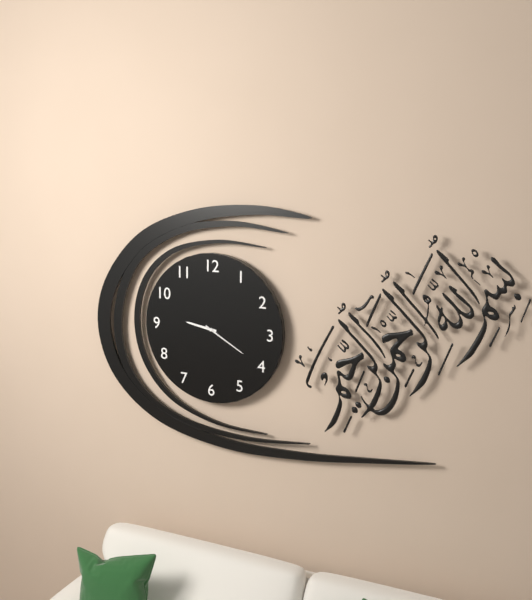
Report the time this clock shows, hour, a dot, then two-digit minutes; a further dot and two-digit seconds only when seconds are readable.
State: 9.20
